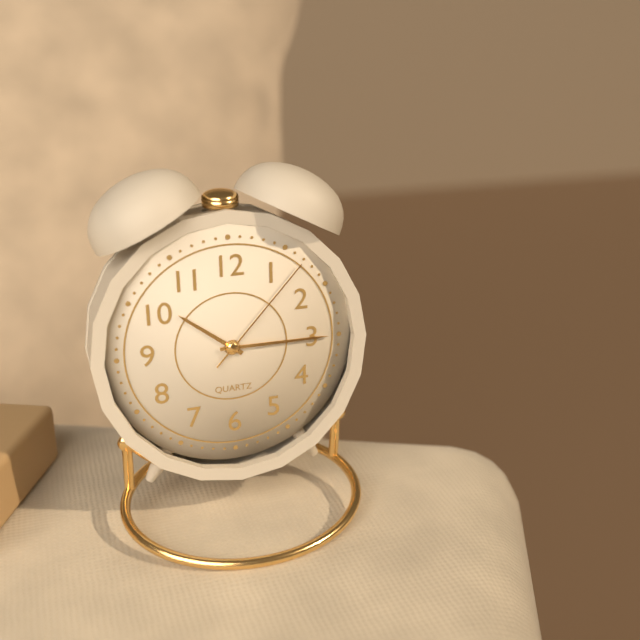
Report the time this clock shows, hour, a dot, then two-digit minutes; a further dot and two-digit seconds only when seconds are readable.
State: 10.15.07
